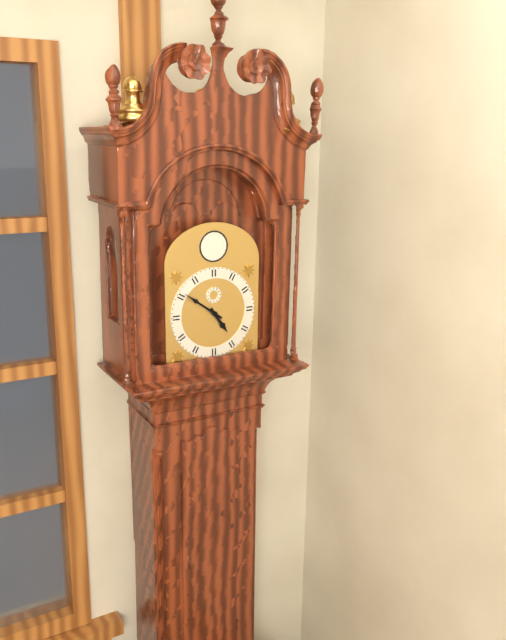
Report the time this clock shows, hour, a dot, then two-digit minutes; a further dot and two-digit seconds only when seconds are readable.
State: 4.51
